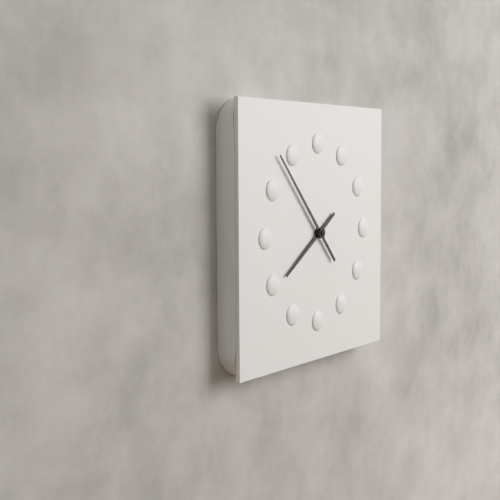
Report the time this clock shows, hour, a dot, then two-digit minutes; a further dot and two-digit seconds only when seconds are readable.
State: 7.53
